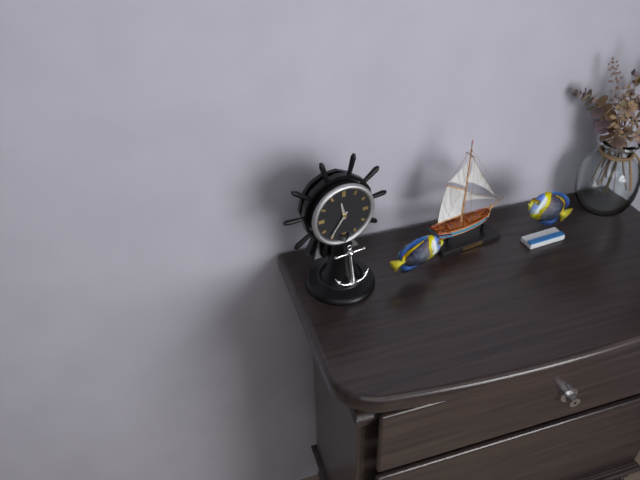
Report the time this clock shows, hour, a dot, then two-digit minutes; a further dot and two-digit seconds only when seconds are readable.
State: 11.36
